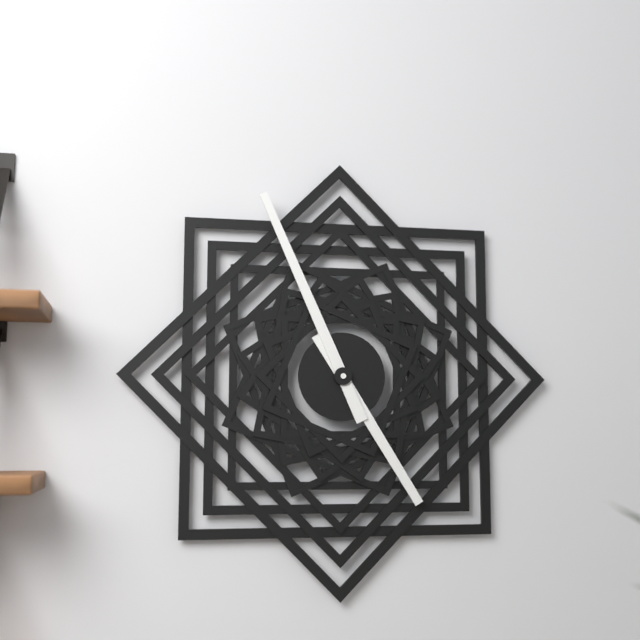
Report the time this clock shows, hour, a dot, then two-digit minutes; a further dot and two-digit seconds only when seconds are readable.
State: 4.56
